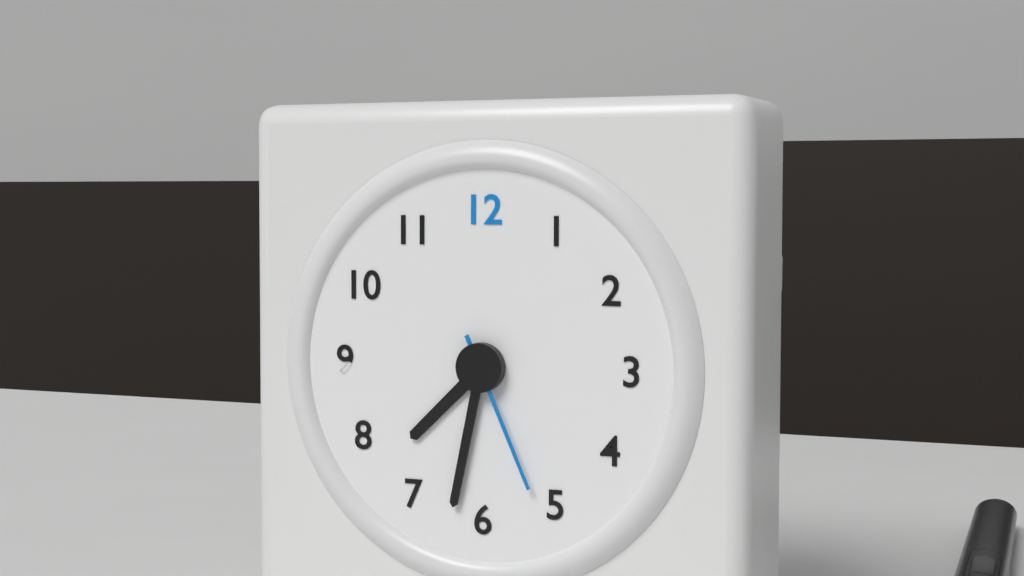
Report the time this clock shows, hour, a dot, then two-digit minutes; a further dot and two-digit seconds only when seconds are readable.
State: 7.32.26
